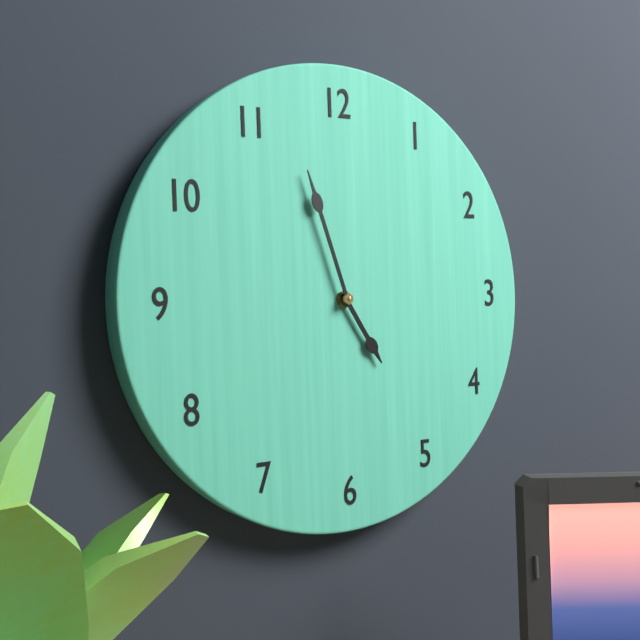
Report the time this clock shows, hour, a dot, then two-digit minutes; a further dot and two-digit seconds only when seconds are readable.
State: 4.57
